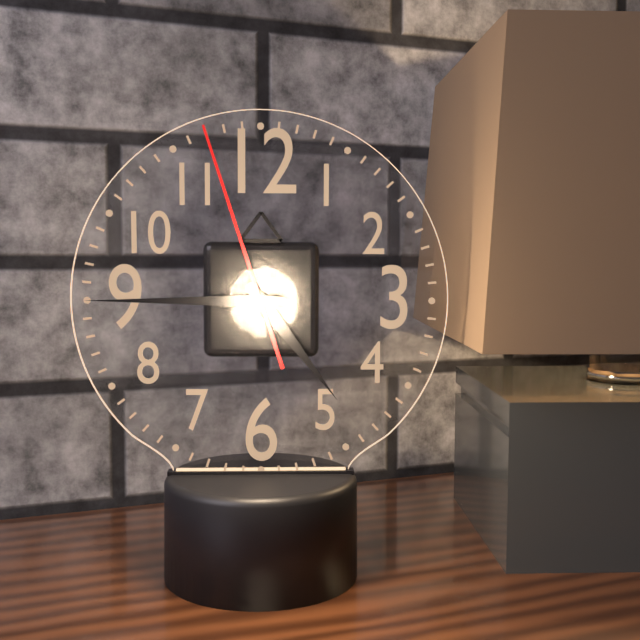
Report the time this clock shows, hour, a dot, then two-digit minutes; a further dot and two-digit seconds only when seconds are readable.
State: 4.45.57
